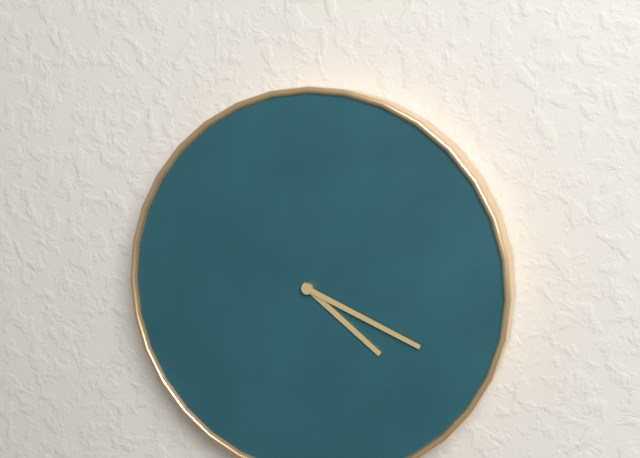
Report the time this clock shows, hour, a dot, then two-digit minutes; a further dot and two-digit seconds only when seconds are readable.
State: 4.19
